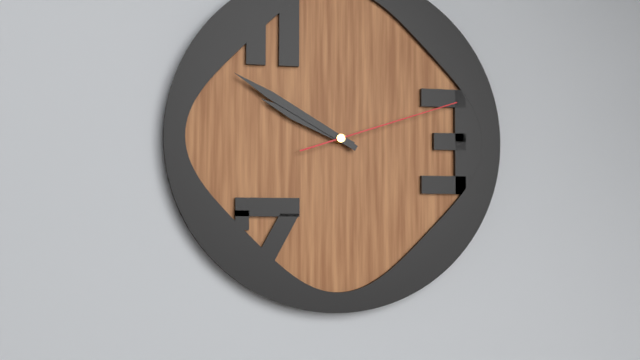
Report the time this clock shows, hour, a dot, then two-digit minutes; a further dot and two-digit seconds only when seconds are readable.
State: 9.50.12
